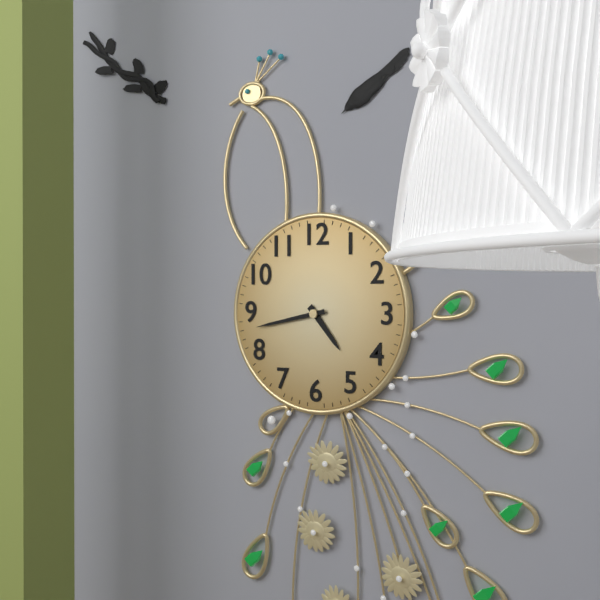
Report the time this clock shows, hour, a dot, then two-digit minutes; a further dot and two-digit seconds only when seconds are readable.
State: 4.43
